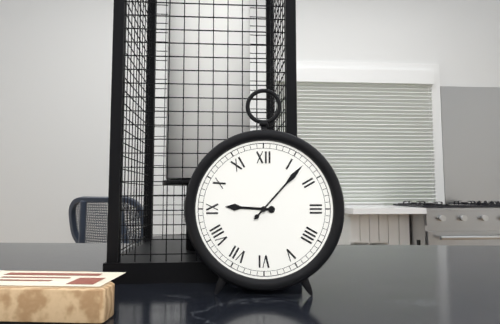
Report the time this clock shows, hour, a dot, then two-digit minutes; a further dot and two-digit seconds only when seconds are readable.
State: 9.07
